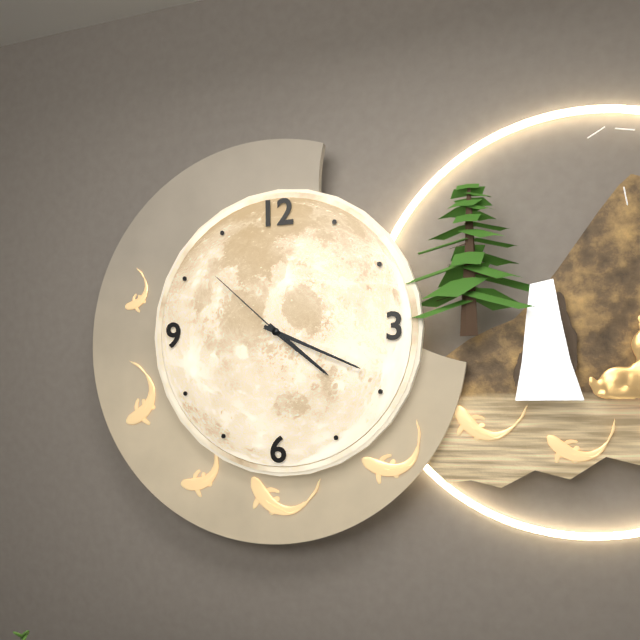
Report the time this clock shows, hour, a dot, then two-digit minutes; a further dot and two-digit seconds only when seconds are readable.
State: 4.19.52
